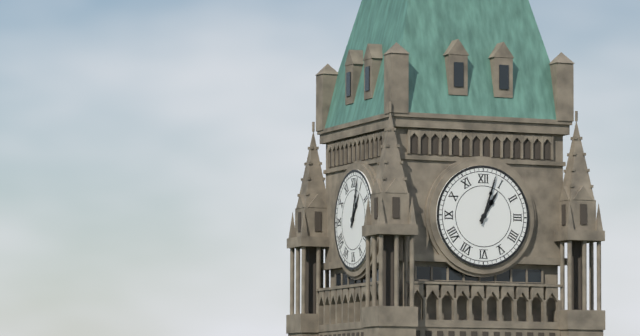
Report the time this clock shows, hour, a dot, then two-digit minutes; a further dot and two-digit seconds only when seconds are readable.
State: 1.03
